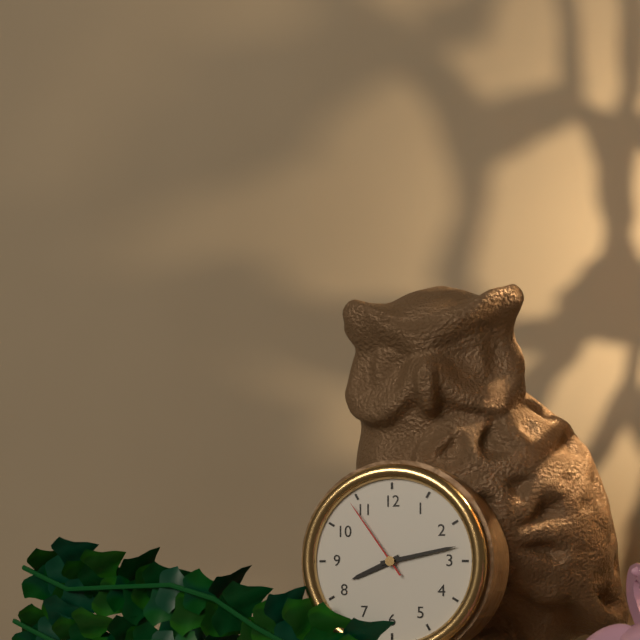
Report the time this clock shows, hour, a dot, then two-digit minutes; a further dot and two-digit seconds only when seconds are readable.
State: 8.13.54
